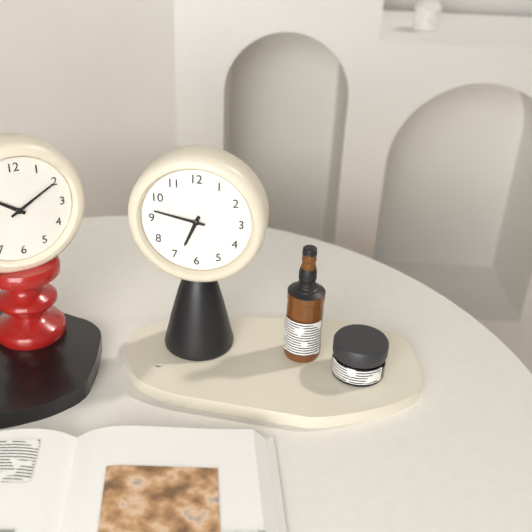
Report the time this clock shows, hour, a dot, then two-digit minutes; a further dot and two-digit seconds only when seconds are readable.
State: 6.47
